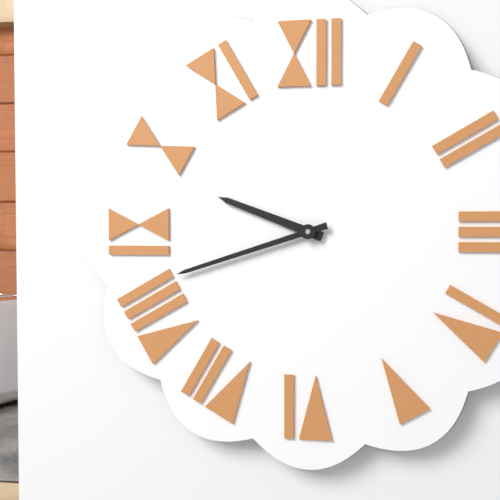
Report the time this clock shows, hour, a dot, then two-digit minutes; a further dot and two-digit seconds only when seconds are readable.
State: 9.42
